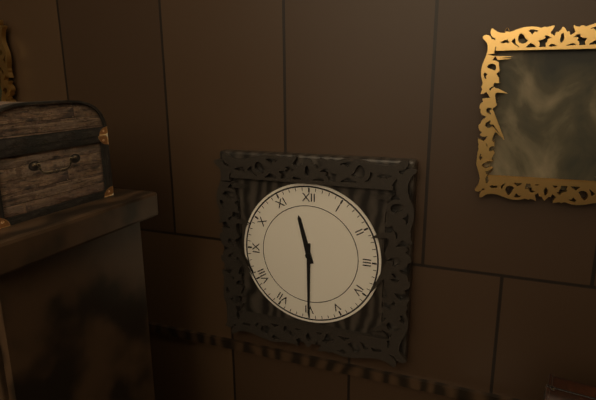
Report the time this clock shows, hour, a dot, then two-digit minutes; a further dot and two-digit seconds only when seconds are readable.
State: 11.30
